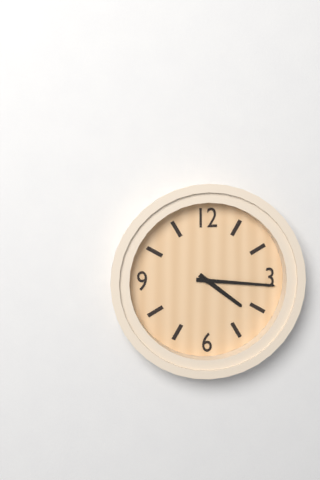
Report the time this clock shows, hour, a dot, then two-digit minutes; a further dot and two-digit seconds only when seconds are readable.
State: 4.16
